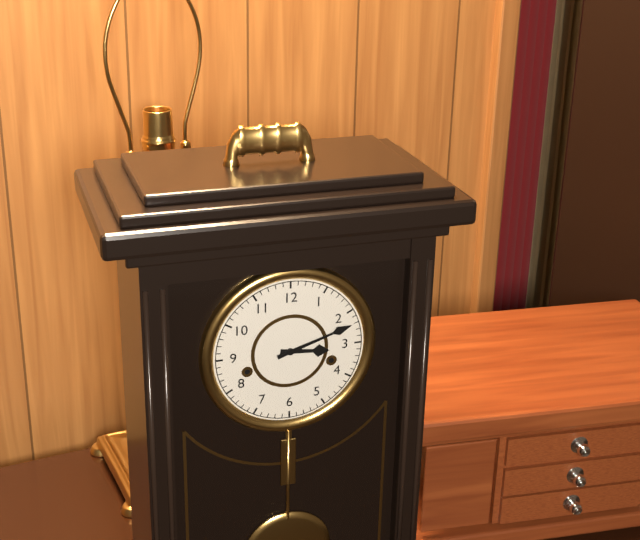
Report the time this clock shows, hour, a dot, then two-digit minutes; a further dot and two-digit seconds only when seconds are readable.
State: 3.12
